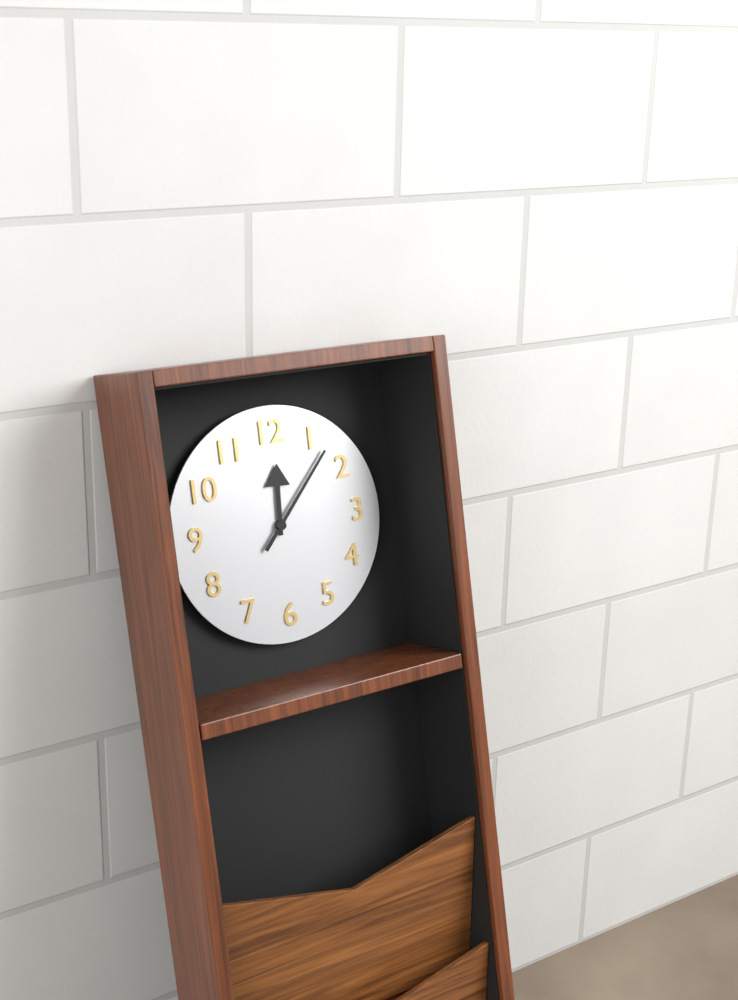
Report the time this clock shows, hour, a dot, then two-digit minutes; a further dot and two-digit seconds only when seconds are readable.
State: 12.07
